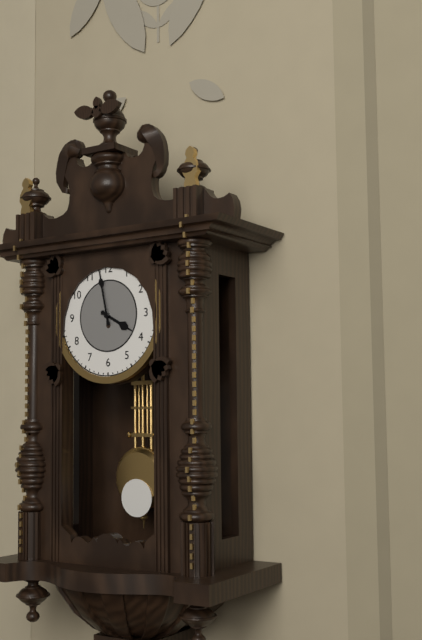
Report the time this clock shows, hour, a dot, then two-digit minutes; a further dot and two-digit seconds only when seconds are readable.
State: 3.58
